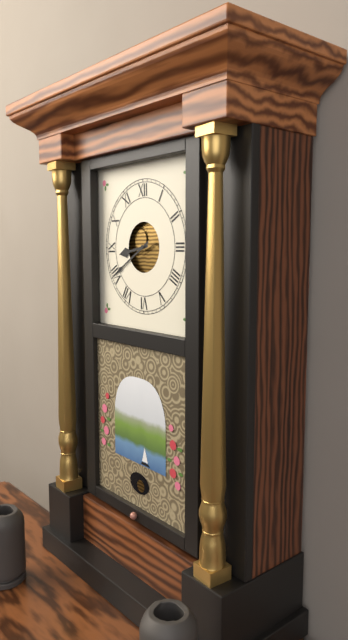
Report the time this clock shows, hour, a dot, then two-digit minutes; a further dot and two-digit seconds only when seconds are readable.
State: 8.40
